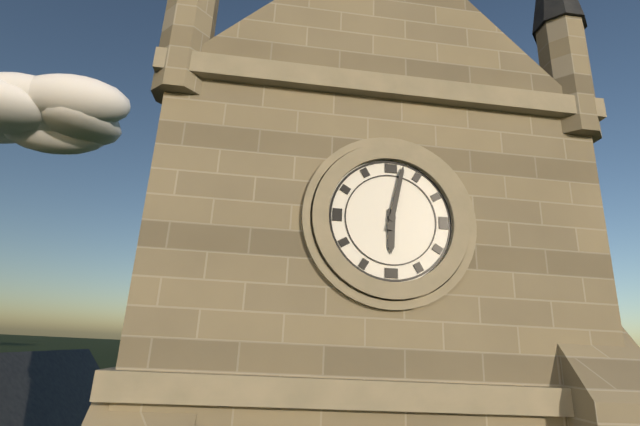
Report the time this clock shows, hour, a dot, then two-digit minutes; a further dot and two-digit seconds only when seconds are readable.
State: 6.02
